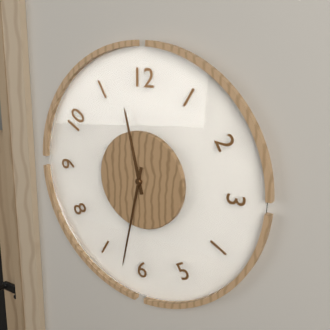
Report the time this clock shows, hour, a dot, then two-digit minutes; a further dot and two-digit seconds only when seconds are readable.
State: 11.32
